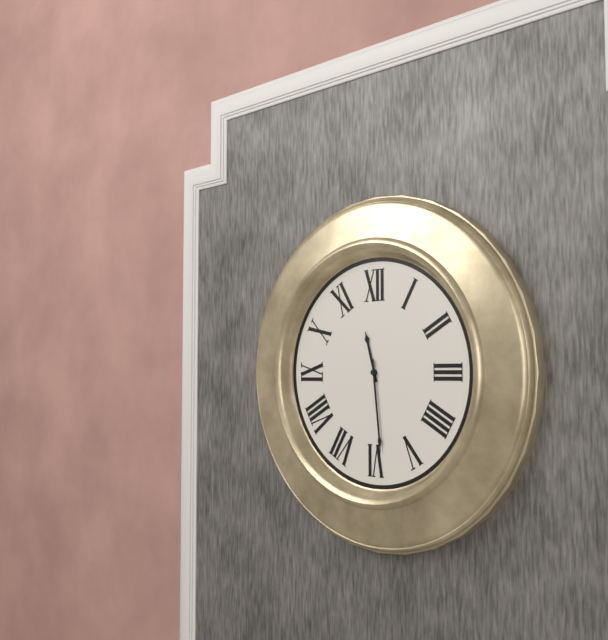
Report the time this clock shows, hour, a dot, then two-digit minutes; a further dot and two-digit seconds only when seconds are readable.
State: 11.29
